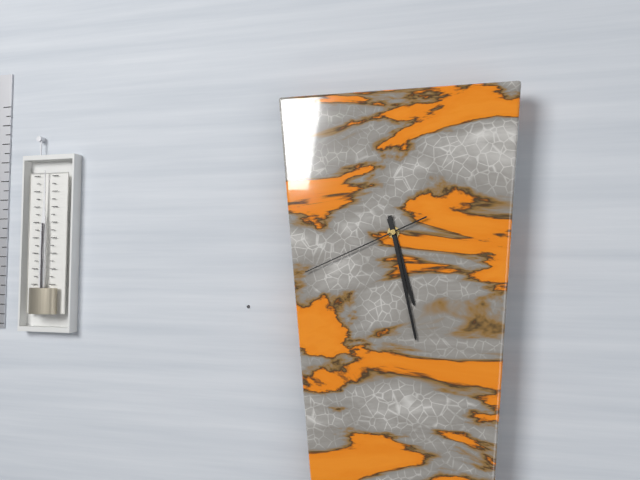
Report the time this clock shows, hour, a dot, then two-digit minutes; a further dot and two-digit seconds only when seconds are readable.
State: 5.28.41
